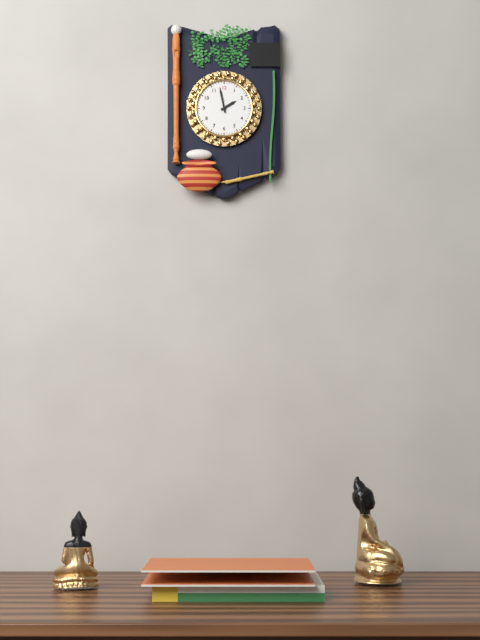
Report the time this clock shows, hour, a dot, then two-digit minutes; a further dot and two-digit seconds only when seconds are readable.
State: 1.58
